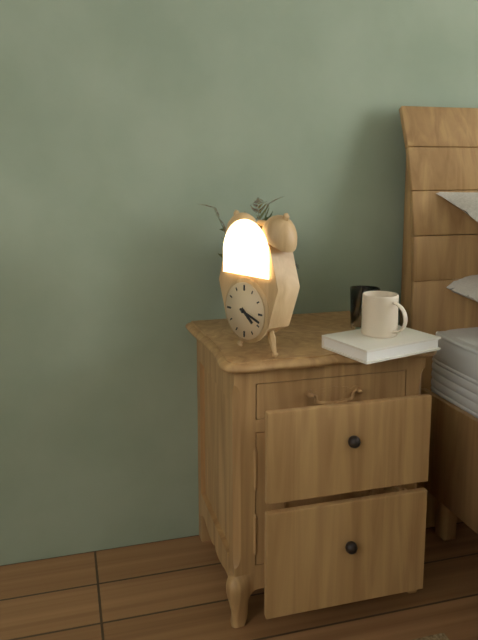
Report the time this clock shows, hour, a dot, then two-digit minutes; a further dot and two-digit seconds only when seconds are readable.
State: 4.18
